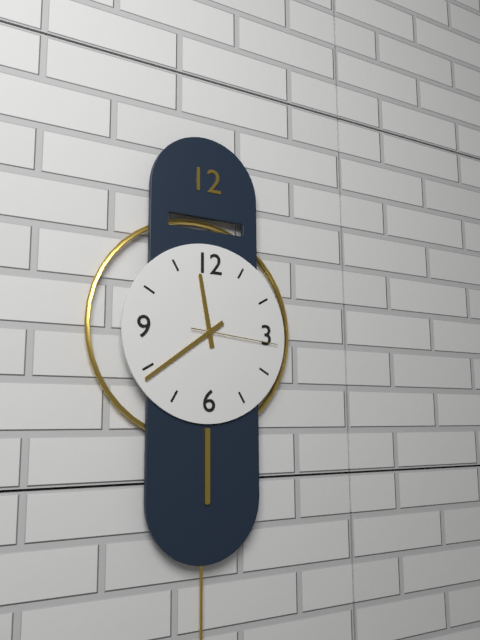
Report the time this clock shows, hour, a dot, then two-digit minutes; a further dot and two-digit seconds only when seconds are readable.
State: 11.39.16
